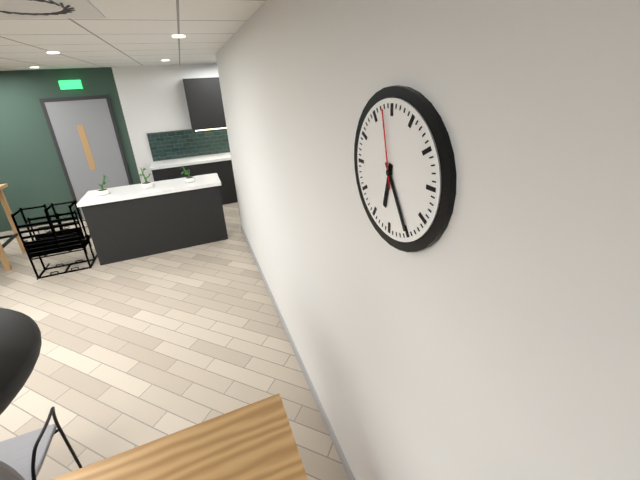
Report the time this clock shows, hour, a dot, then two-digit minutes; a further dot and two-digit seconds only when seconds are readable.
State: 6.25.58
